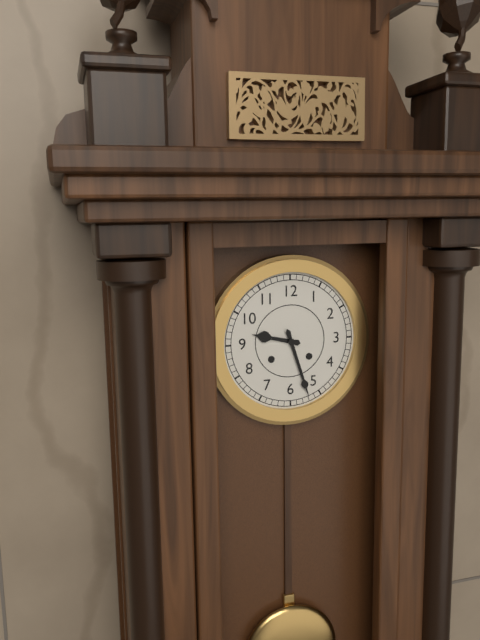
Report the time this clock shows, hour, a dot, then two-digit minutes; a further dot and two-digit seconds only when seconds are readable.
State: 9.27
